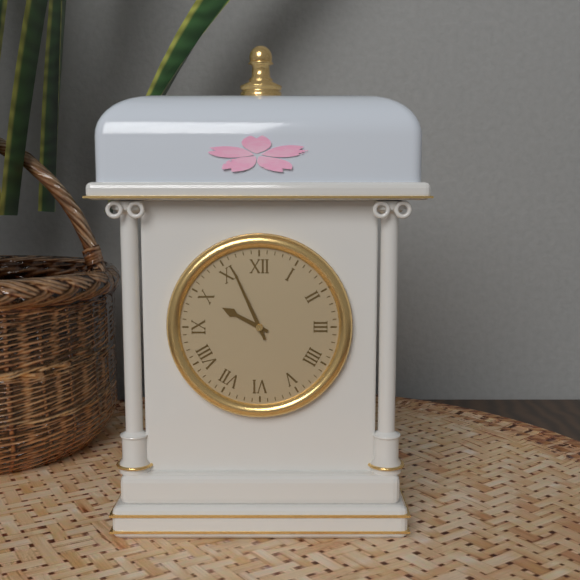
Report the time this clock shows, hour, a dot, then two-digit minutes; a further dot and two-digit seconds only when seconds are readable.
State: 9.56
